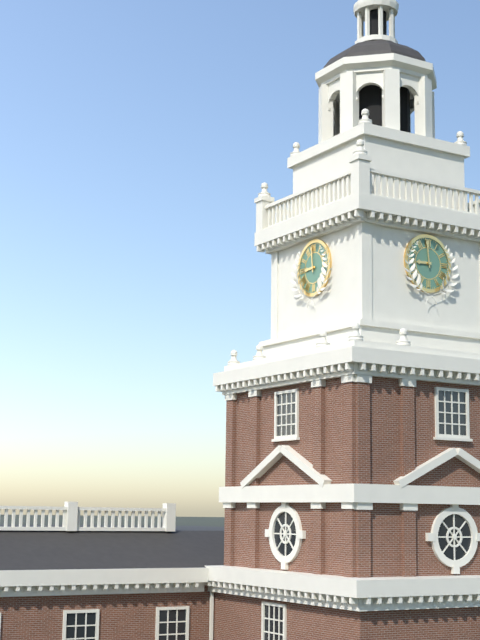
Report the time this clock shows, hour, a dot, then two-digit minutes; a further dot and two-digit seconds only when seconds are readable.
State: 8.59
